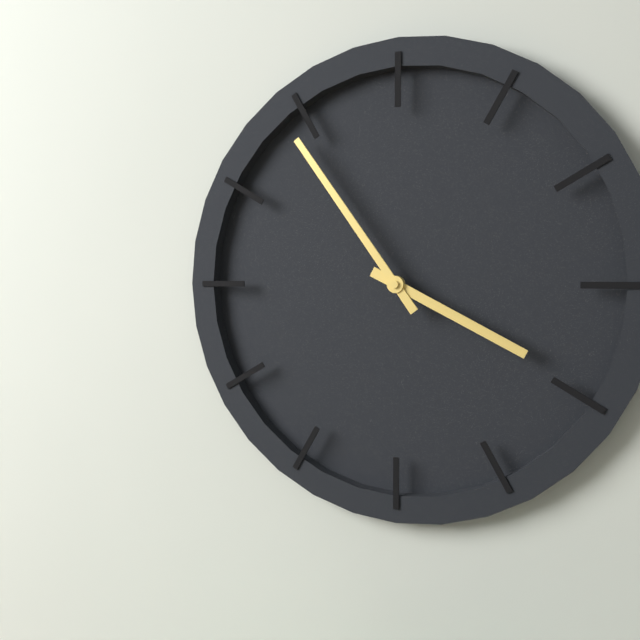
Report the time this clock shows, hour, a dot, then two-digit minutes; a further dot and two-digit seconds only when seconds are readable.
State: 3.54
